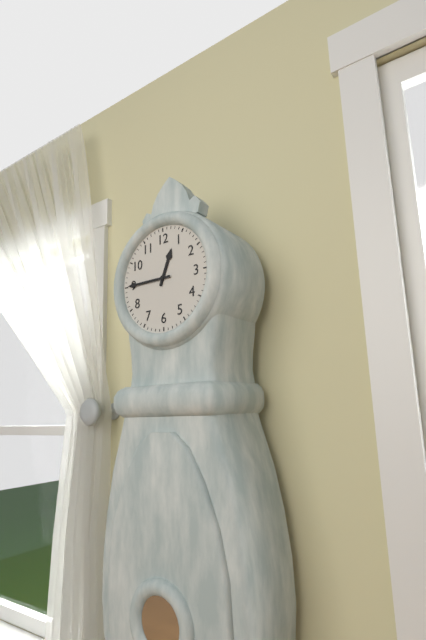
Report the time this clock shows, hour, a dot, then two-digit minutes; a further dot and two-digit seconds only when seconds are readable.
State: 12.45
